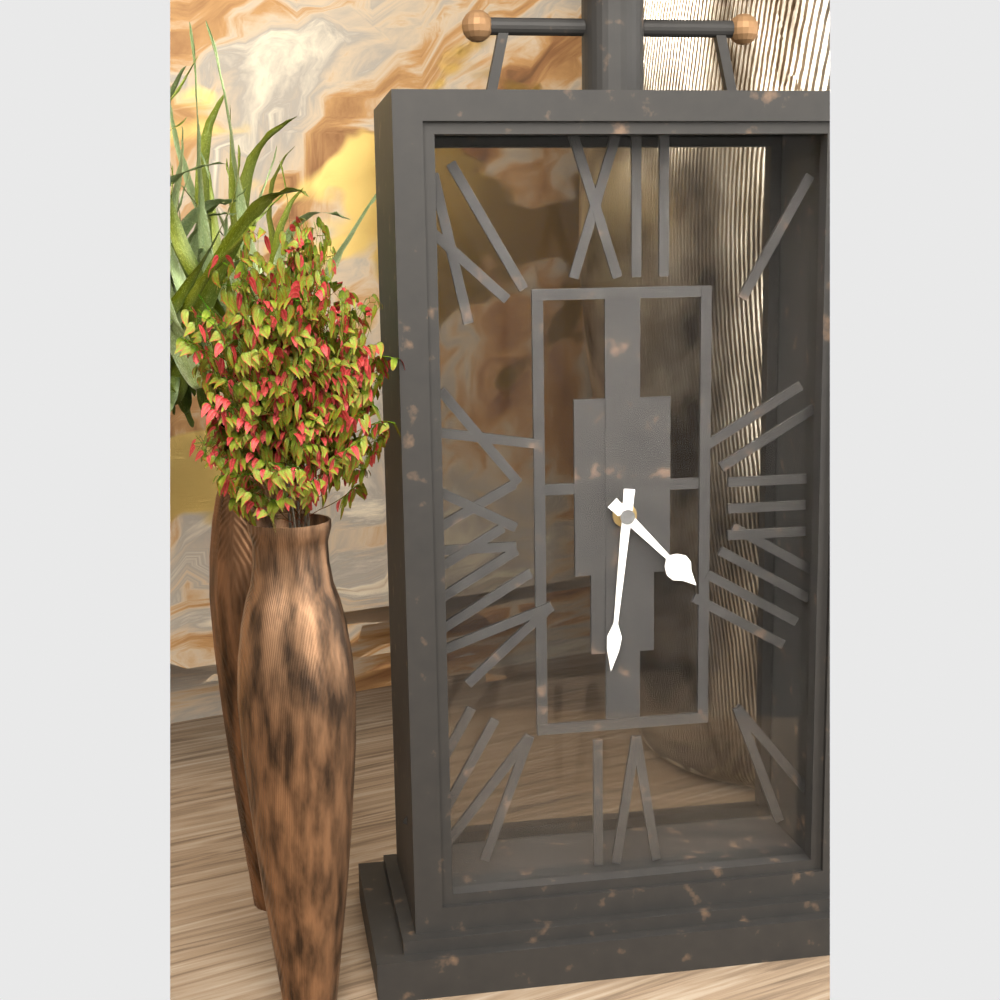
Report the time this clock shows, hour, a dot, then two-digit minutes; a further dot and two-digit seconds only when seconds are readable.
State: 4.31
